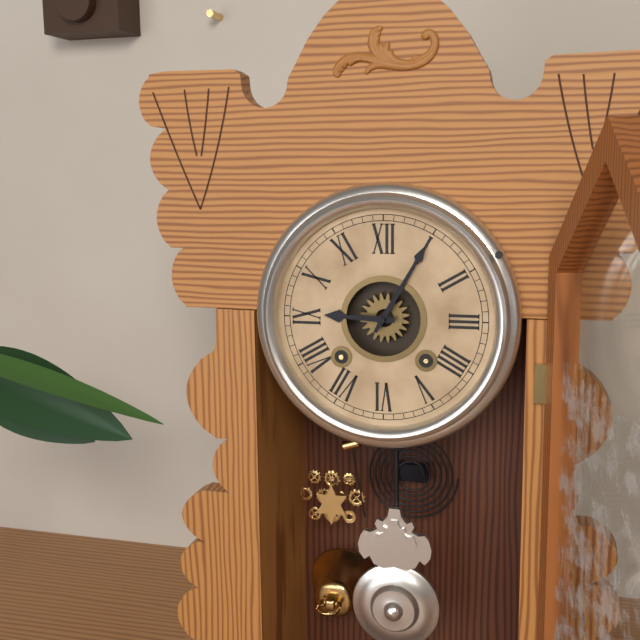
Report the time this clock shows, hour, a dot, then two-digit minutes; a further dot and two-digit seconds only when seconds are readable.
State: 9.05
